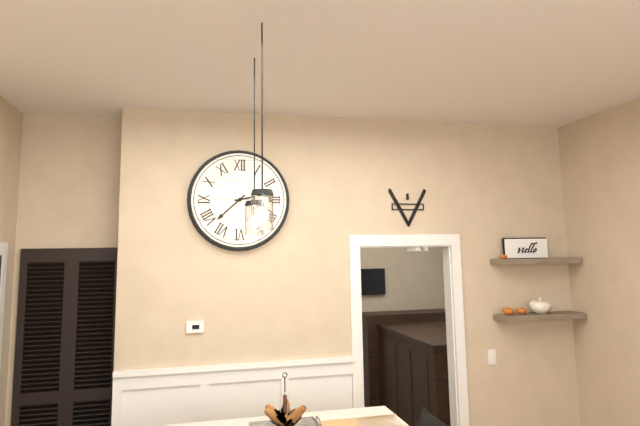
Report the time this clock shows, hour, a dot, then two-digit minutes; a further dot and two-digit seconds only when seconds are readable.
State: 2.38
